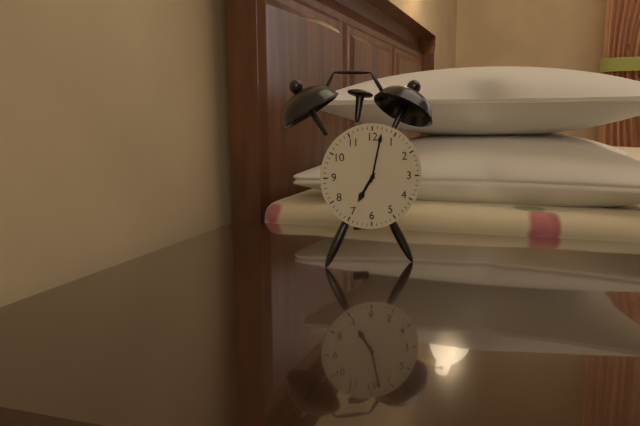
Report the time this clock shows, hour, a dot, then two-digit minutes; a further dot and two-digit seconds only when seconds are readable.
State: 7.02
